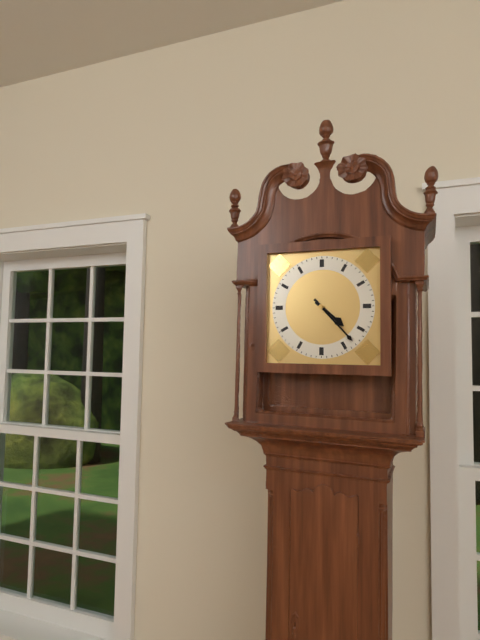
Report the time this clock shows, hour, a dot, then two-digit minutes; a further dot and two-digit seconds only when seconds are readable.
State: 4.23
